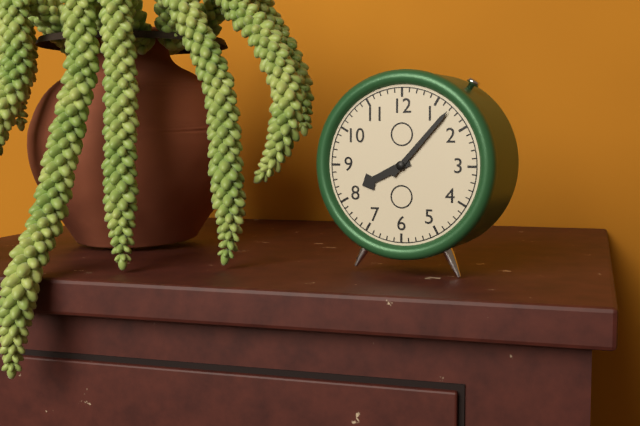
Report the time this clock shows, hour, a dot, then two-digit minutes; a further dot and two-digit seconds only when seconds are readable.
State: 8.07
